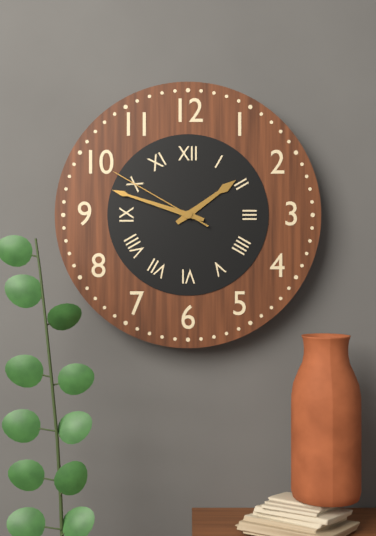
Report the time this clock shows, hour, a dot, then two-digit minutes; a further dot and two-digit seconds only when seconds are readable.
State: 1.48.50
